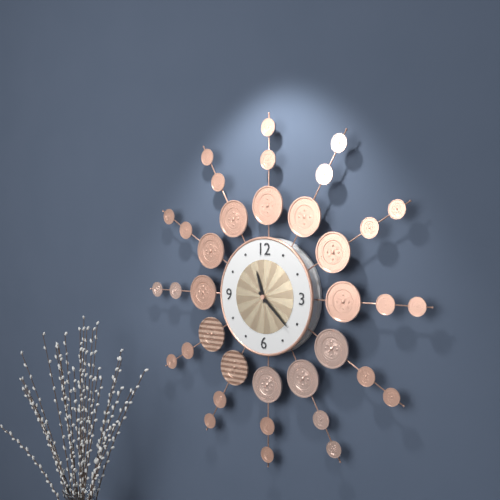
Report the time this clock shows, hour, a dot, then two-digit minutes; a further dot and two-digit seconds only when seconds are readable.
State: 11.22
